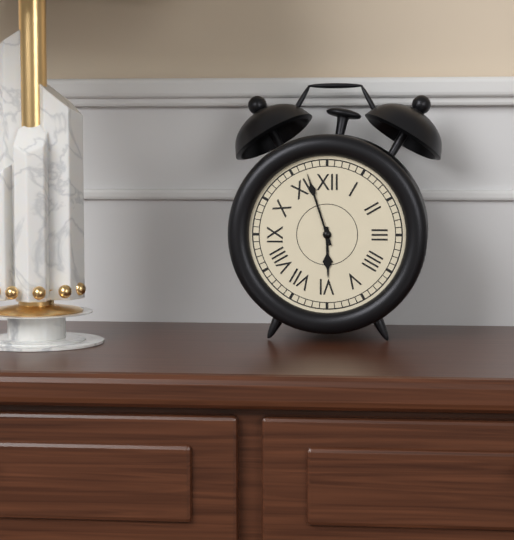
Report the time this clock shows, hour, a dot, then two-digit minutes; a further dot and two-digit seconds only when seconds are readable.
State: 5.57
